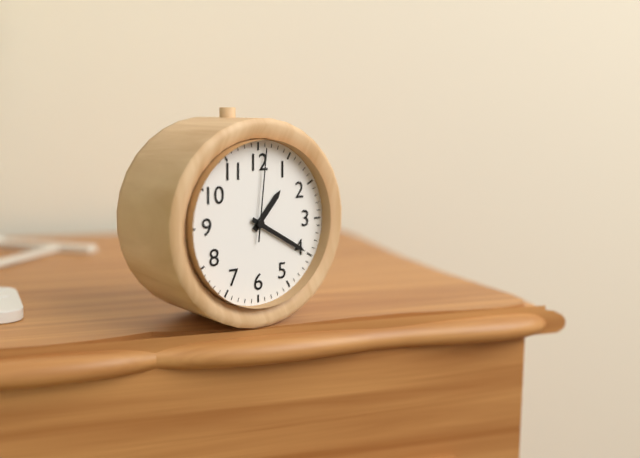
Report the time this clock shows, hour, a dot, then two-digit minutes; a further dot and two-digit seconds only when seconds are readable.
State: 1.20.01
